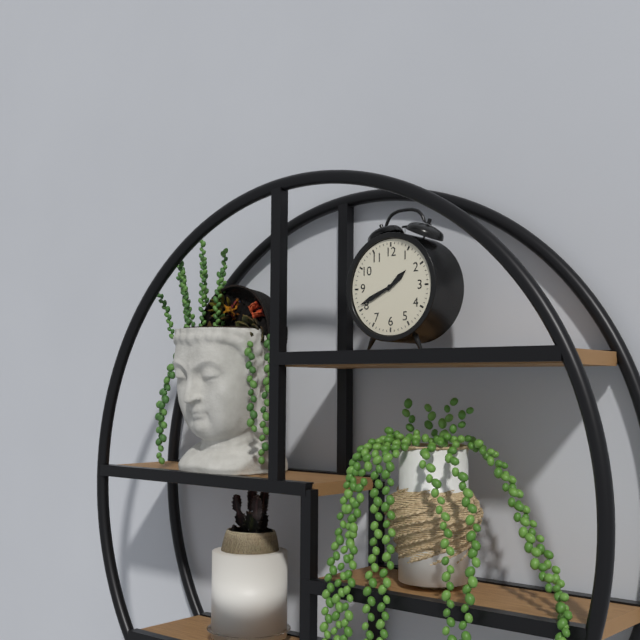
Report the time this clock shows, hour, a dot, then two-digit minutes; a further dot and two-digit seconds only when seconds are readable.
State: 1.41
